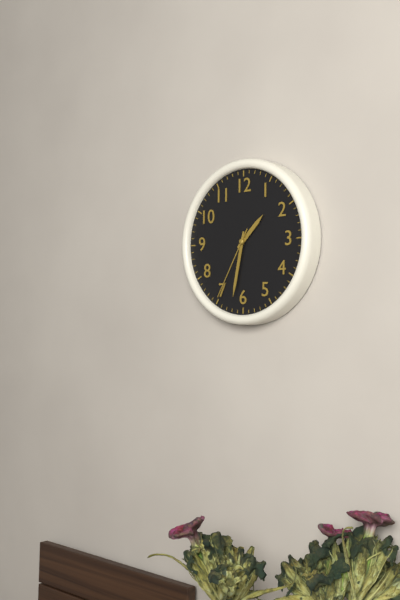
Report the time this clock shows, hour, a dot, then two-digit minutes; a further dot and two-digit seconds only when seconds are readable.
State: 1.32.35
